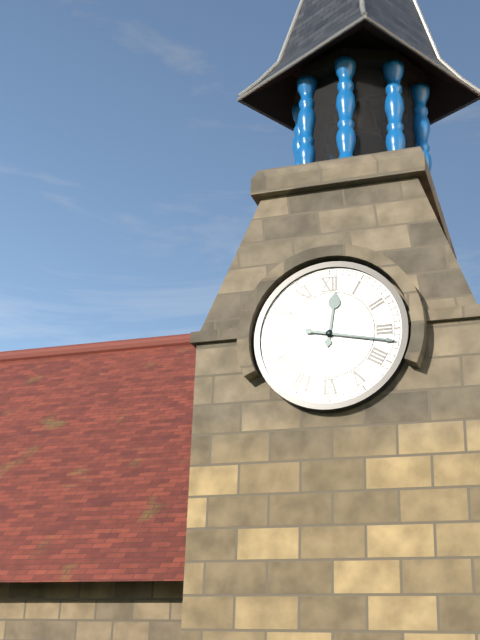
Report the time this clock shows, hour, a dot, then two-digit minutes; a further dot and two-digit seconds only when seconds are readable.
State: 12.17
